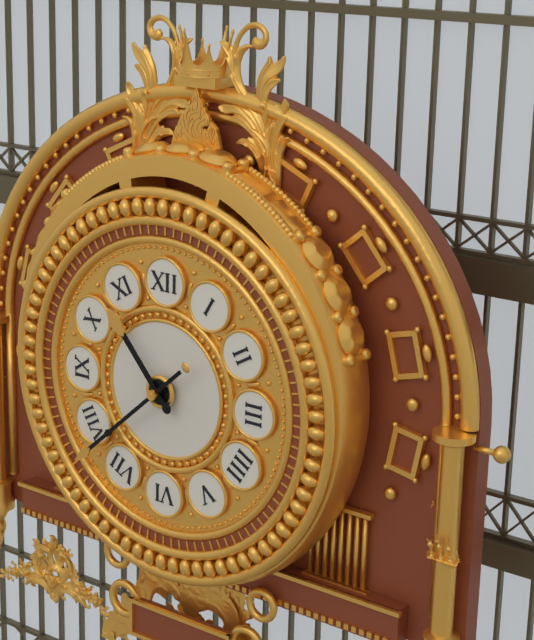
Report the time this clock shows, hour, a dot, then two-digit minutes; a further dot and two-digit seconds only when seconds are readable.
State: 10.38
